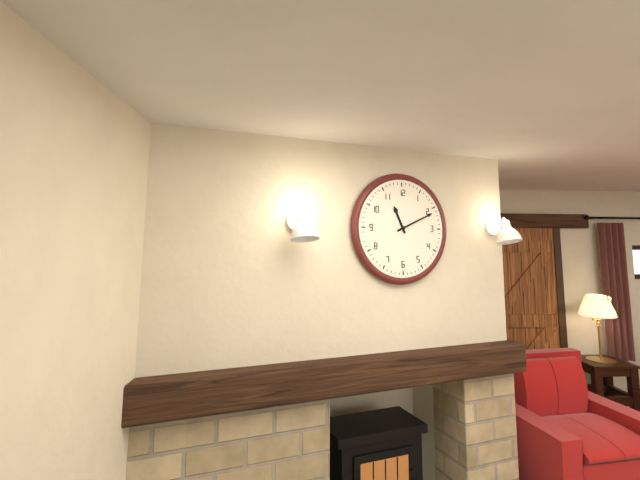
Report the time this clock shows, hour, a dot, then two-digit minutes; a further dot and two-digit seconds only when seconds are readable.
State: 11.11
